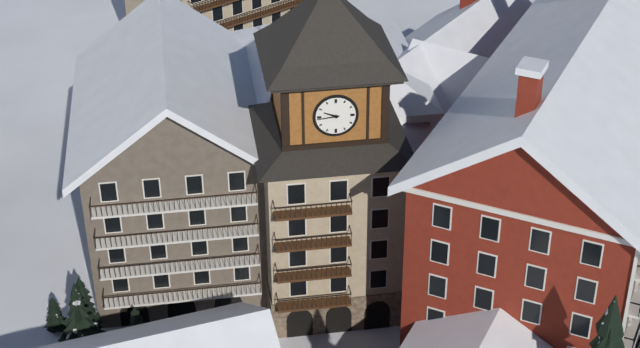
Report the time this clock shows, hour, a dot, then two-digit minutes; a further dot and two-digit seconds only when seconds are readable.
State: 9.44
